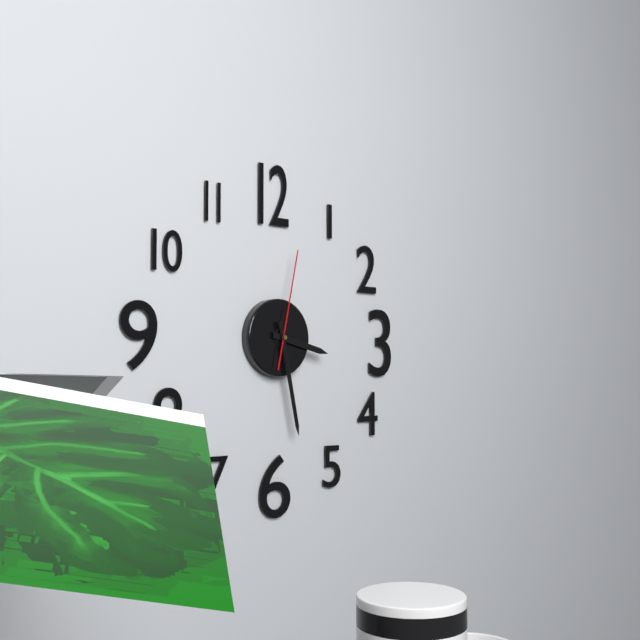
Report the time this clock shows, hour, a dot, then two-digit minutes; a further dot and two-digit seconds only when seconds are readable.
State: 3.28.02
